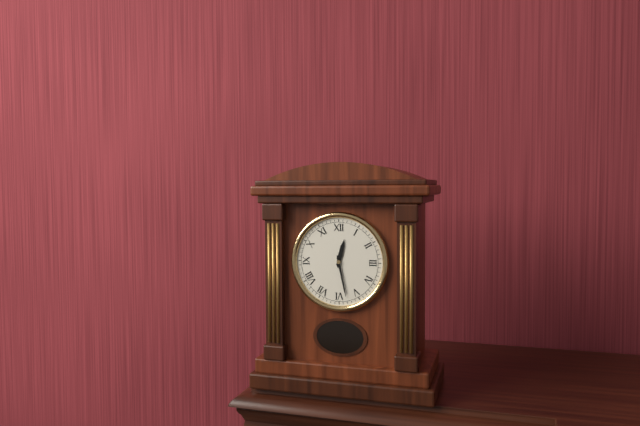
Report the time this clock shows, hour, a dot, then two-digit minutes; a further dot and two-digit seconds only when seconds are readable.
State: 12.28
